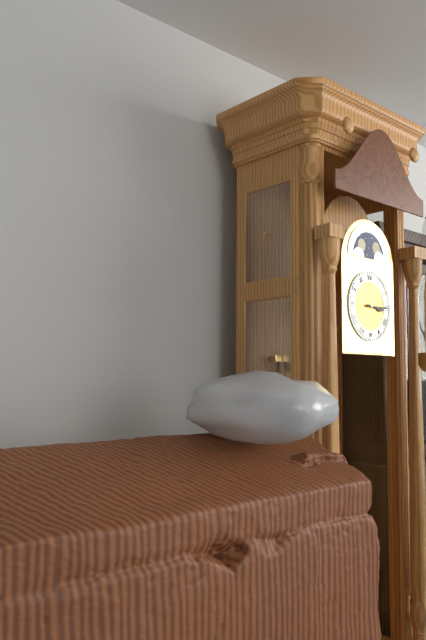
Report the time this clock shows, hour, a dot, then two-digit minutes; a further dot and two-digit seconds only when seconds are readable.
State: 3.15
